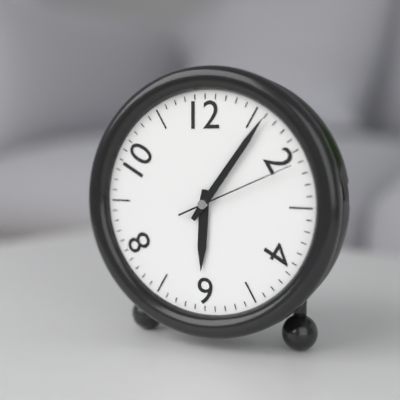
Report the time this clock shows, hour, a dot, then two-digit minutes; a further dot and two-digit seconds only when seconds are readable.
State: 6.06.11
